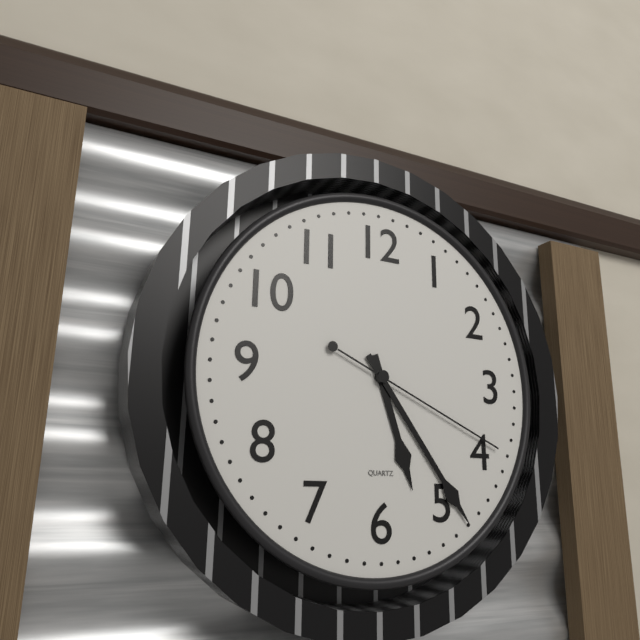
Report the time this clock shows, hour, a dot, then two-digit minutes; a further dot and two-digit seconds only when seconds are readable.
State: 5.24.19
